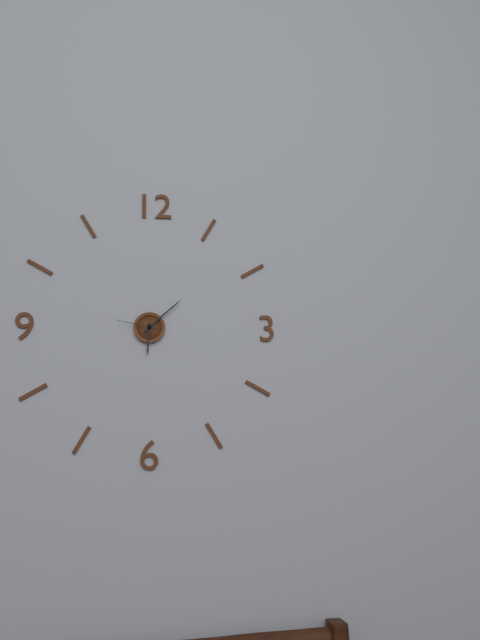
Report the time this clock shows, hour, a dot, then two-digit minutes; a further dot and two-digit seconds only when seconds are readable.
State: 6.08
